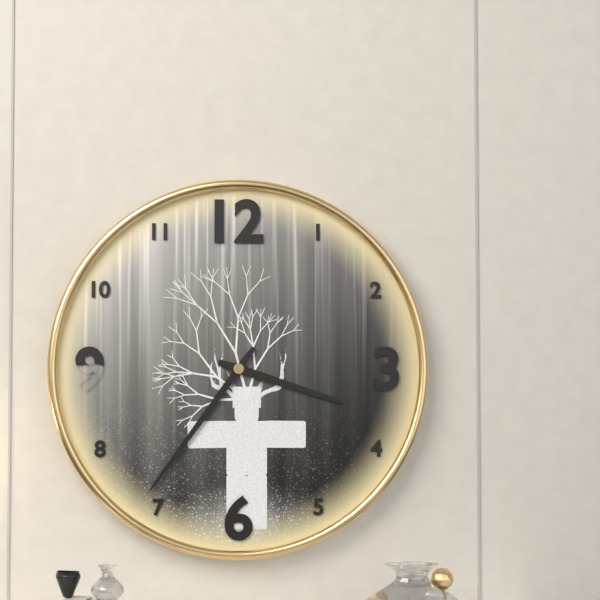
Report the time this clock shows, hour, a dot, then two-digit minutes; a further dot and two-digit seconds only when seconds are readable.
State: 3.36
